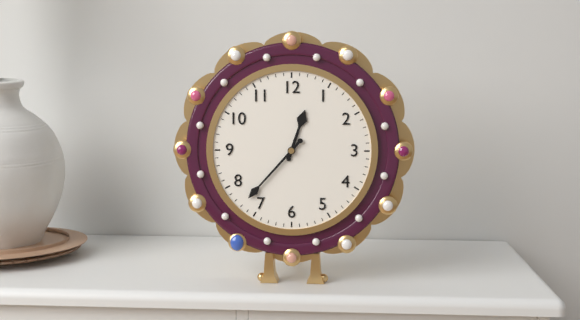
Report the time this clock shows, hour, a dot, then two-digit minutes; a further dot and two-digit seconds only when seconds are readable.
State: 12.37
